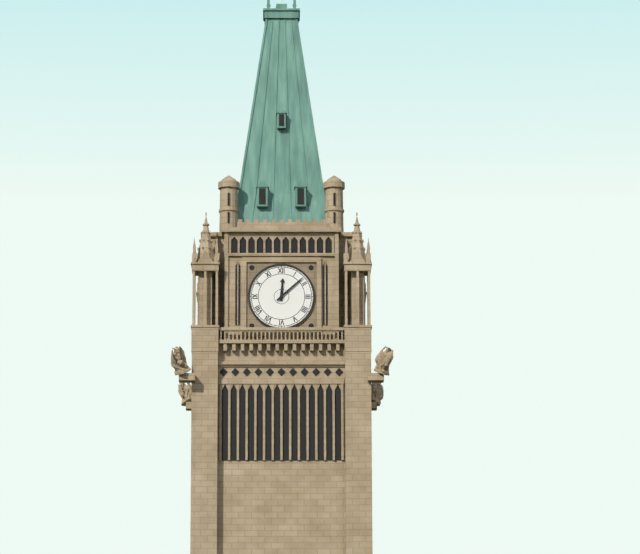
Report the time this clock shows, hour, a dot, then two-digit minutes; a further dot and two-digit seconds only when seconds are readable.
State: 12.08
